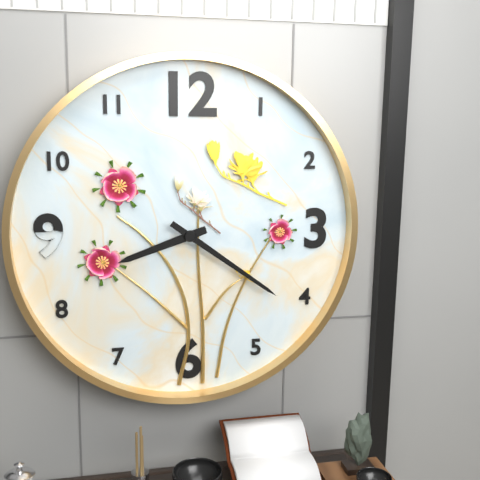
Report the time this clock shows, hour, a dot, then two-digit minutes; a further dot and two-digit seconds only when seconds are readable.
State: 8.21
